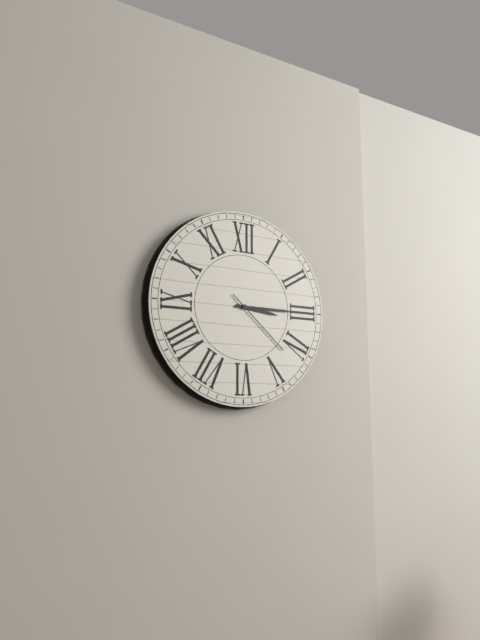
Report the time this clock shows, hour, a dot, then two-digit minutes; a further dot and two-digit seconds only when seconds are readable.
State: 3.15.22
